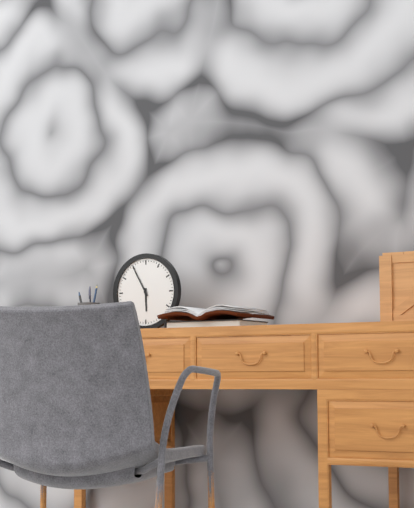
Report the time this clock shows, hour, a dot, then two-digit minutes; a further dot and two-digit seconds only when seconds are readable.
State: 5.55
